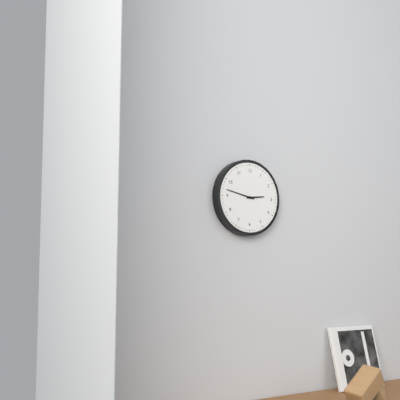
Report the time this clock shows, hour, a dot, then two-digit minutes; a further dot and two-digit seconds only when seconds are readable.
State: 2.47
